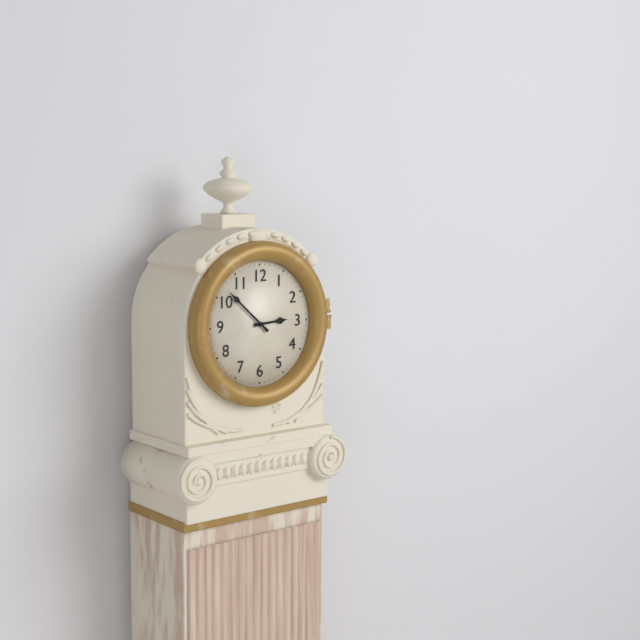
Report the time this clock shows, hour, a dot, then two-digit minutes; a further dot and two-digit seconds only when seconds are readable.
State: 2.52
